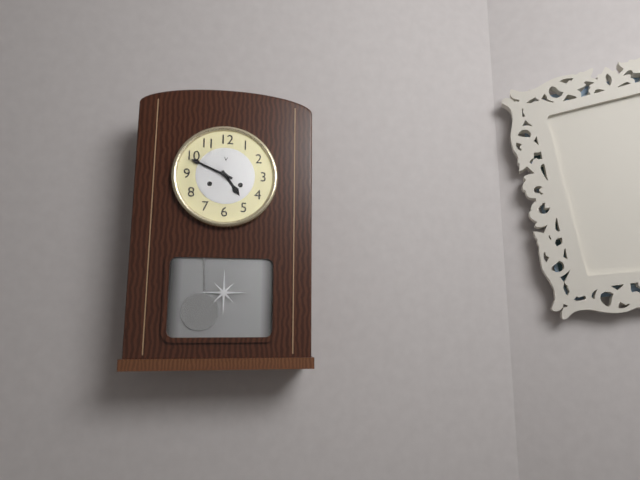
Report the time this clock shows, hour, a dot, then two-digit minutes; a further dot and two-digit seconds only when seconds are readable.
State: 4.49
